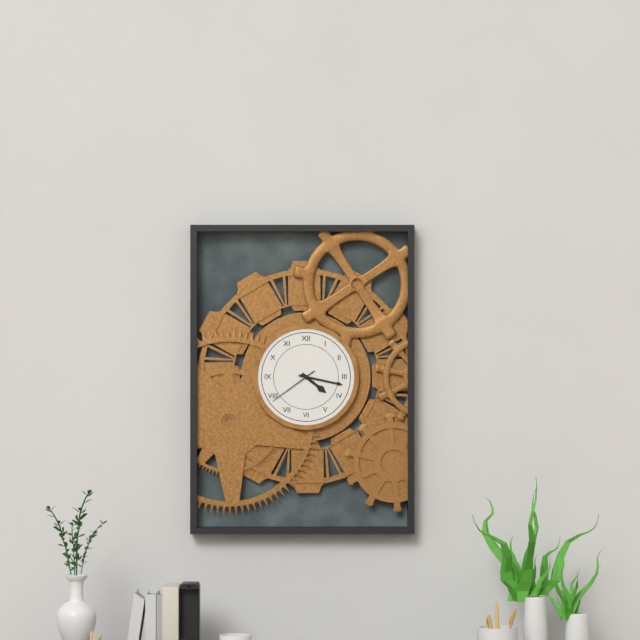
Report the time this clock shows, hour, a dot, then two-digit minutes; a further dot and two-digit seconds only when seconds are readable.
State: 4.17.39
